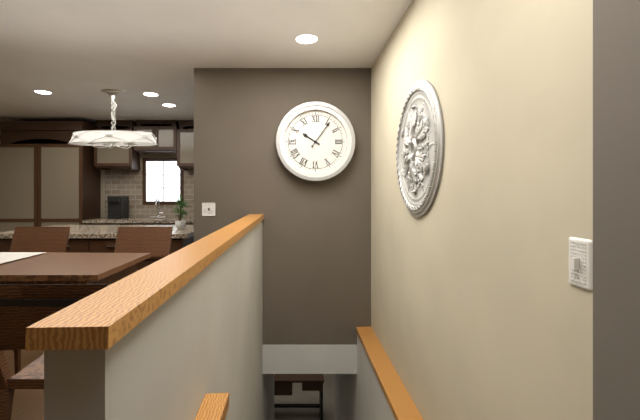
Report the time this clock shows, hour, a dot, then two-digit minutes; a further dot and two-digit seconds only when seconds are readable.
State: 10.06
